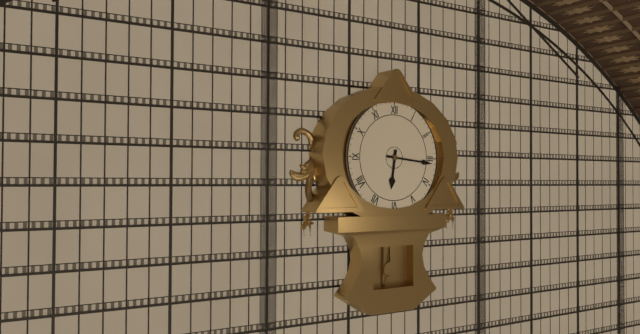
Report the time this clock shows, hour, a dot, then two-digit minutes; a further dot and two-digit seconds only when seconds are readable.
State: 6.16
